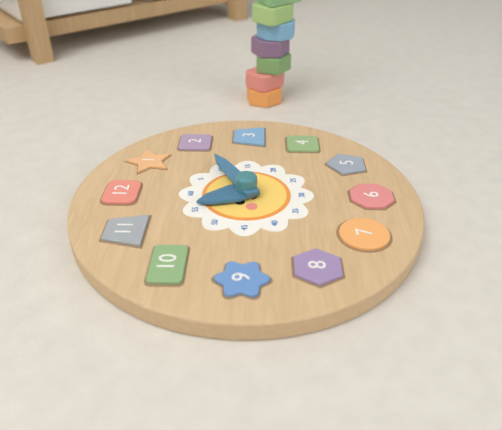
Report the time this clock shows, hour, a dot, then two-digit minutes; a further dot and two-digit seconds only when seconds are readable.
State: 11.10
